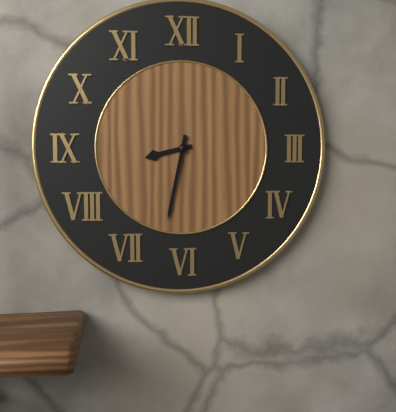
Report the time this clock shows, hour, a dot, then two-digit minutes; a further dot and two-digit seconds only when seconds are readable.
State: 8.32
